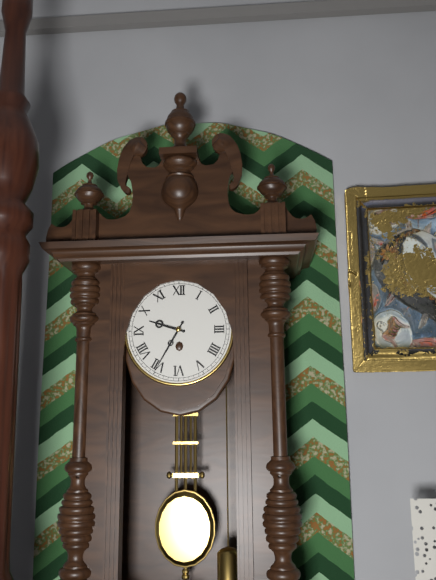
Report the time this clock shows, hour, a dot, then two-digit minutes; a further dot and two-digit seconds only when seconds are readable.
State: 9.35
